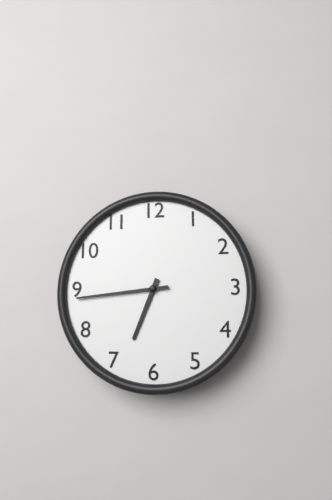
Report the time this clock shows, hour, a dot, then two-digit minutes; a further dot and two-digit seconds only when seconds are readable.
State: 6.44
